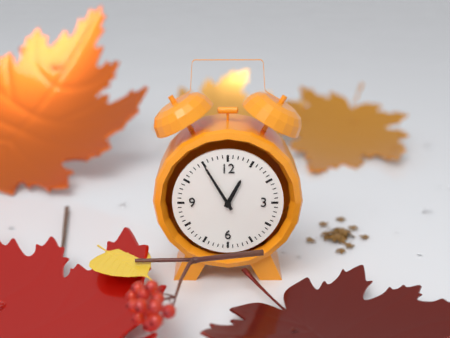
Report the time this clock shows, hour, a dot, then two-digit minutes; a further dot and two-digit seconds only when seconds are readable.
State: 12.55
